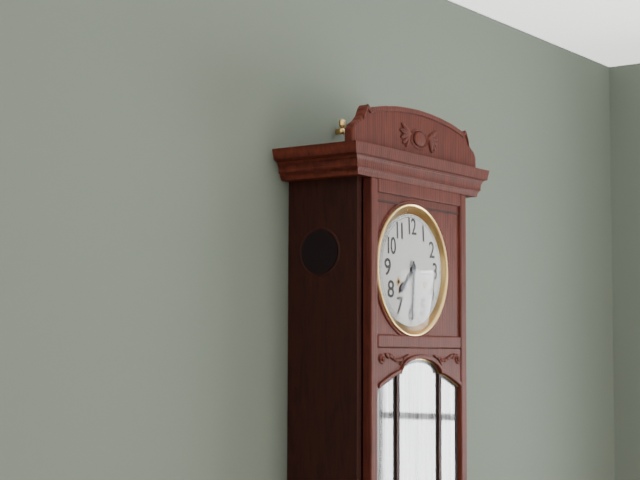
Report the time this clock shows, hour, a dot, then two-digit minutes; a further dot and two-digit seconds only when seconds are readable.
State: 7.30
